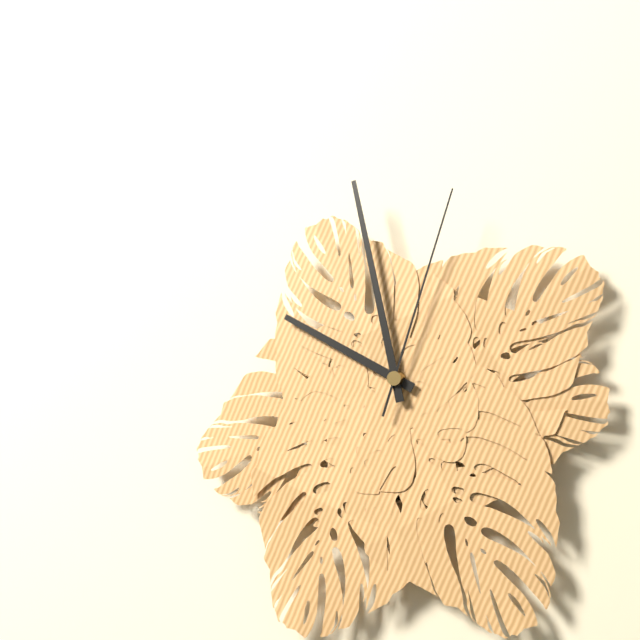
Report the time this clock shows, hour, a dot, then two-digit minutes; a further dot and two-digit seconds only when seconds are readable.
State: 9.58.03
